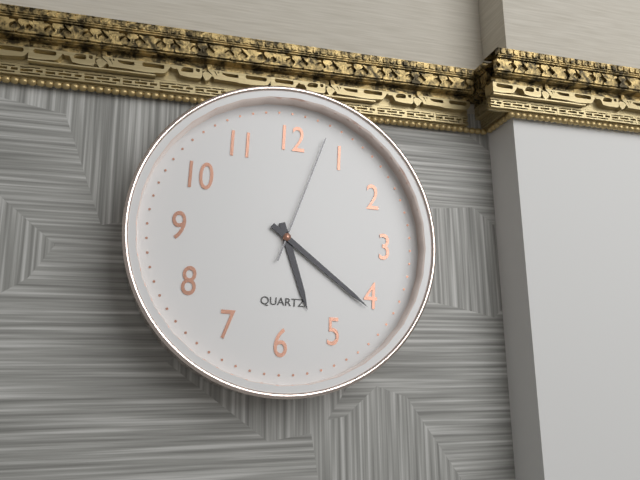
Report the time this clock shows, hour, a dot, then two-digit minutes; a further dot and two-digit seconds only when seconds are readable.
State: 5.21.03
